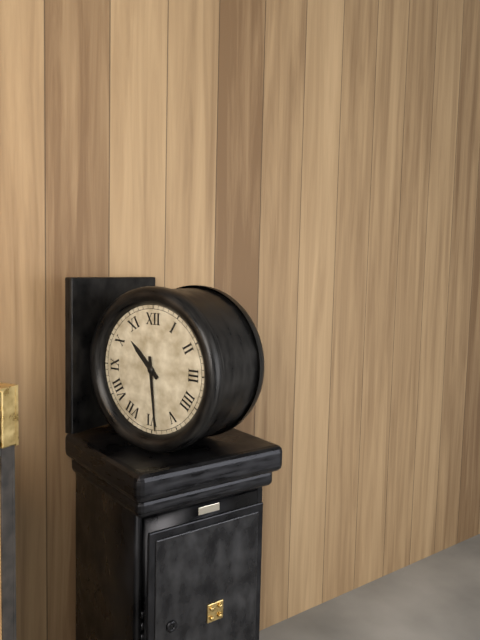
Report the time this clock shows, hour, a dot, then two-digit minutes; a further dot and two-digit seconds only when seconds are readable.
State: 10.29
